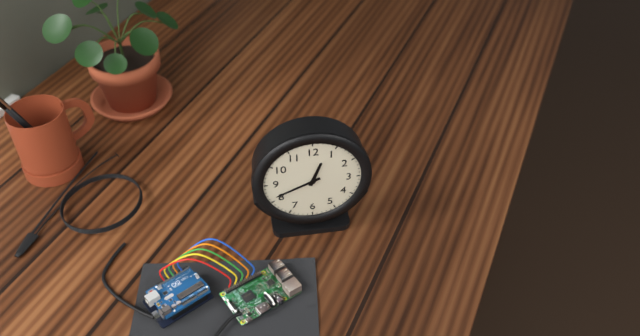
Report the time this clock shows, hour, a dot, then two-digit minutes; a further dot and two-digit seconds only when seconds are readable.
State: 12.41
